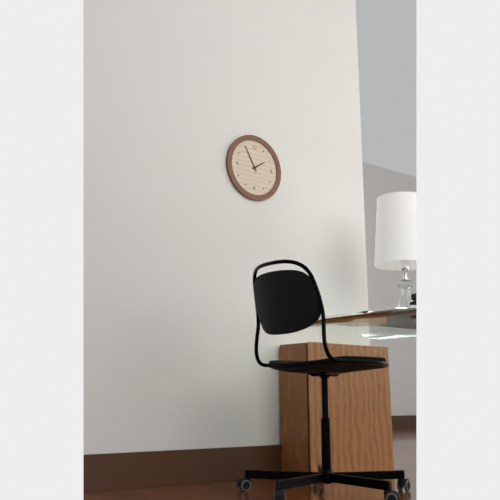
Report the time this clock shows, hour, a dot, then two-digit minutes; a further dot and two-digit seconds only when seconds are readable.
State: 1.55
